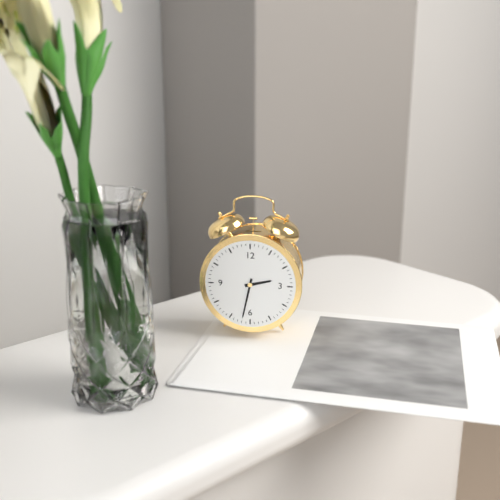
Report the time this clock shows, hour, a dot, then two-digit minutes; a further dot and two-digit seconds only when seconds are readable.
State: 2.32
